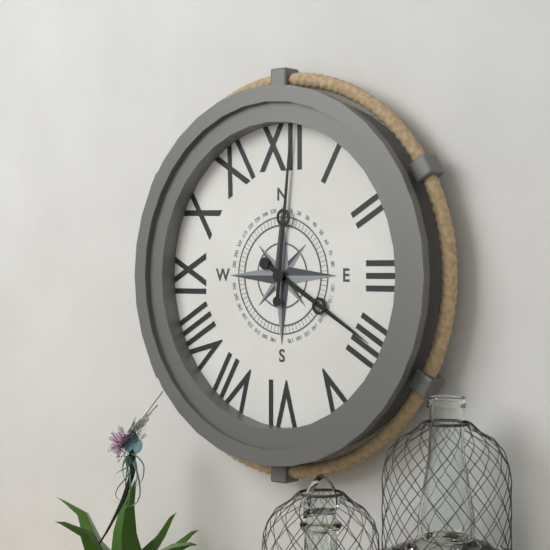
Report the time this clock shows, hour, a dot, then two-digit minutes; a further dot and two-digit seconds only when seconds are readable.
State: 4.01
